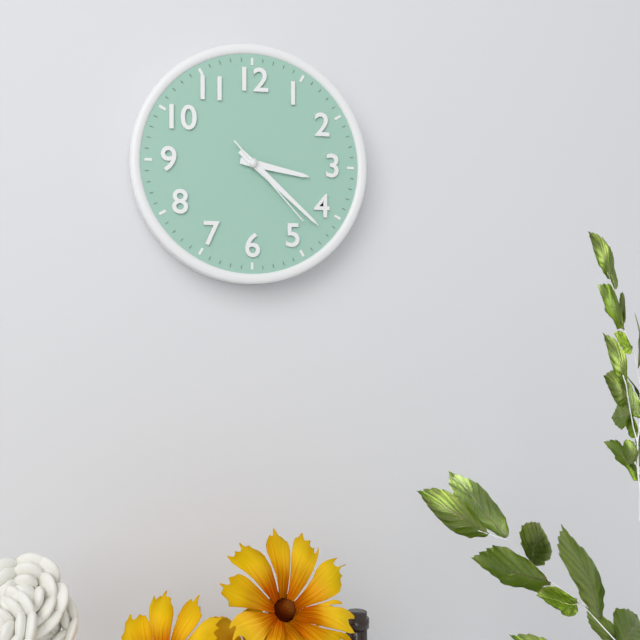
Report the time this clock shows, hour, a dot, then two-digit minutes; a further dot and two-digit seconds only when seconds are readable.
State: 3.22.23
